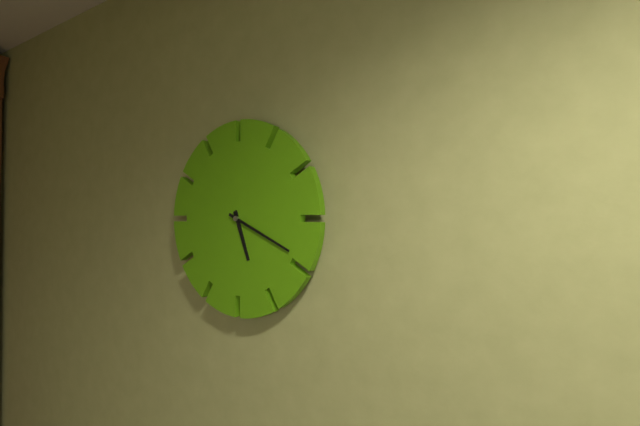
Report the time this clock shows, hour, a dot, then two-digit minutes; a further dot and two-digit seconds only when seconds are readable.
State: 5.19
